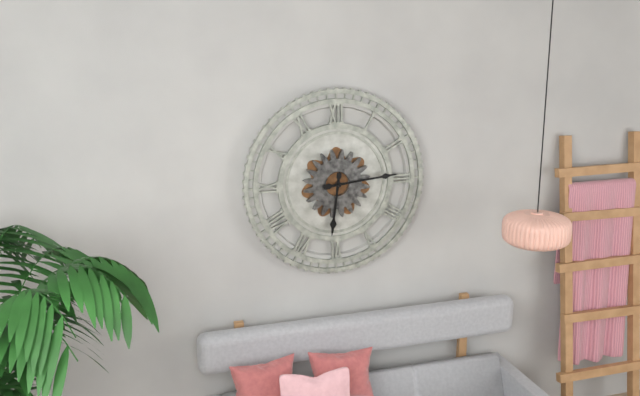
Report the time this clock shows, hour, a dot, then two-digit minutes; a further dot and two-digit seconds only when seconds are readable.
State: 6.14
